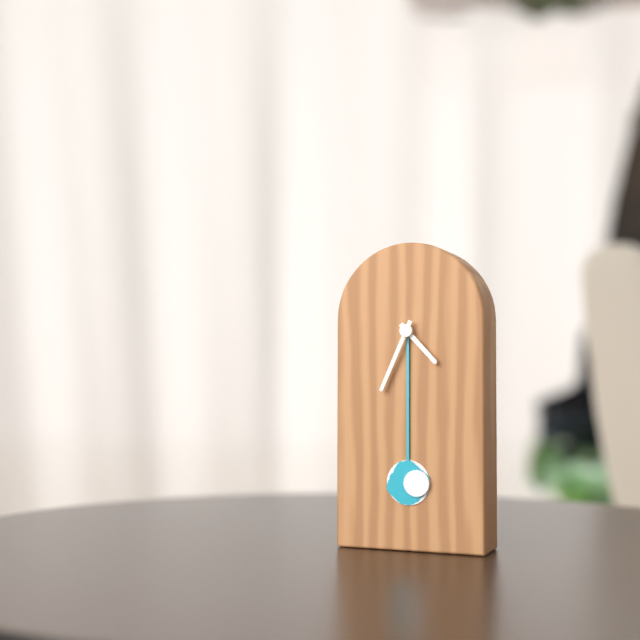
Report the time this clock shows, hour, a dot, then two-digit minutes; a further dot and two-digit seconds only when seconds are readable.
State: 4.34
